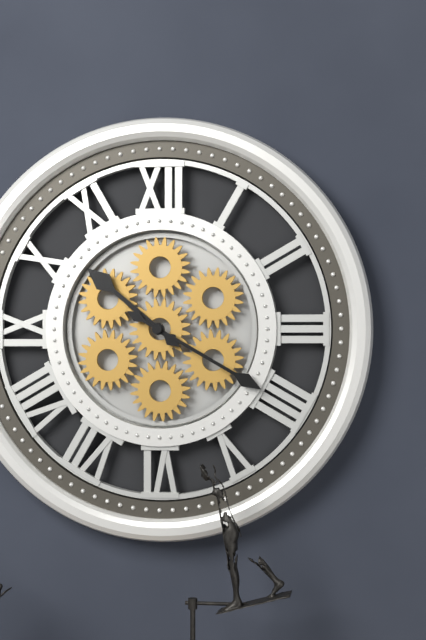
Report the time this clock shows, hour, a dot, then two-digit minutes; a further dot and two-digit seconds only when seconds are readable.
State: 10.20
